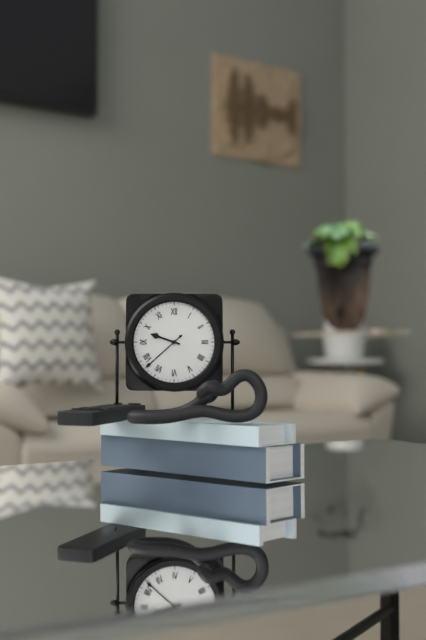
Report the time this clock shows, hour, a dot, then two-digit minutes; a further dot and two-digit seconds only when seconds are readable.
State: 9.38
